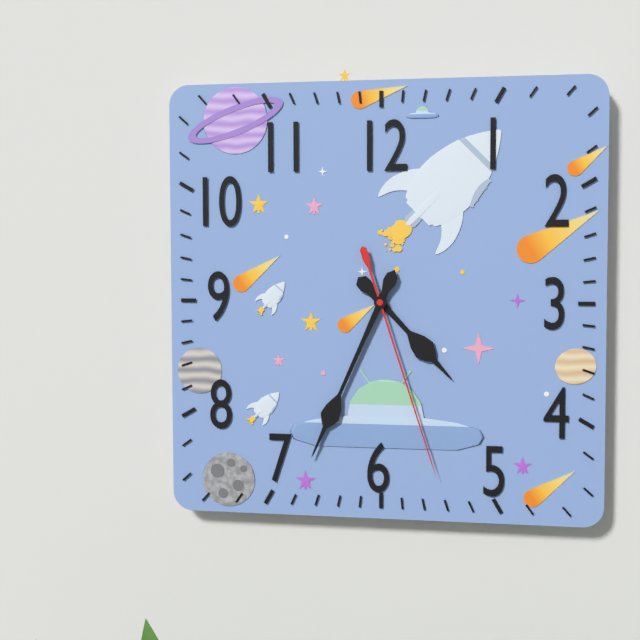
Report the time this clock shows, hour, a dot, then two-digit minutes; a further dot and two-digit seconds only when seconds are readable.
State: 4.34.27
